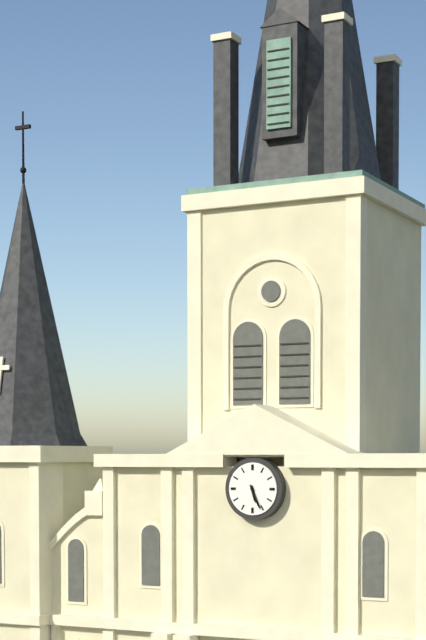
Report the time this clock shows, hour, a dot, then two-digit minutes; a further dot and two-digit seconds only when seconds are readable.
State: 5.26
